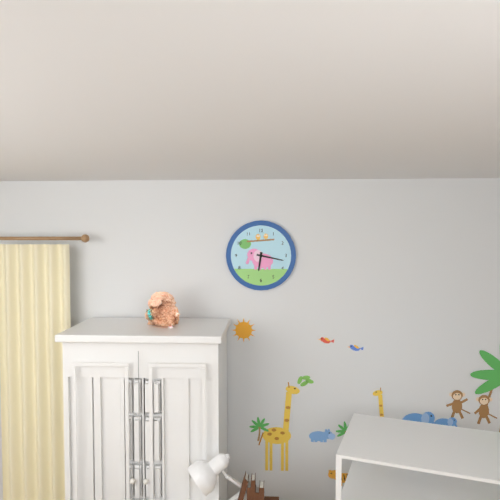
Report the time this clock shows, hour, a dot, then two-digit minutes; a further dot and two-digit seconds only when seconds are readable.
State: 6.17
